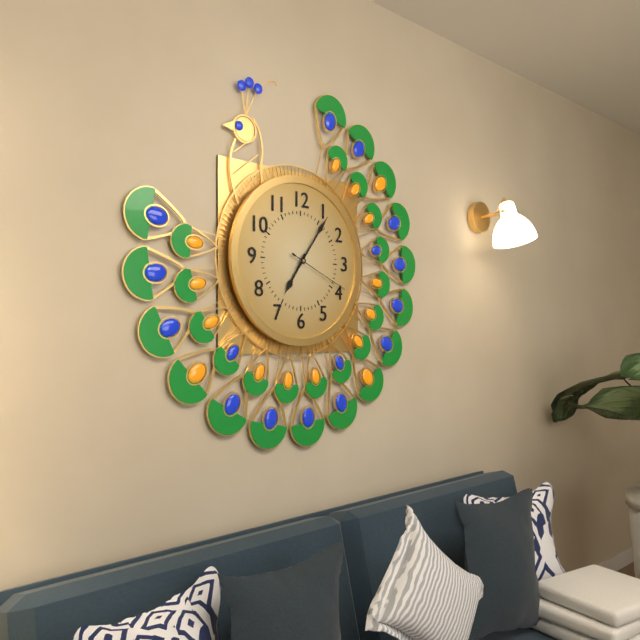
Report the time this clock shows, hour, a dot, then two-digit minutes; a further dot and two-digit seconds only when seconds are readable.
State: 7.06.19
